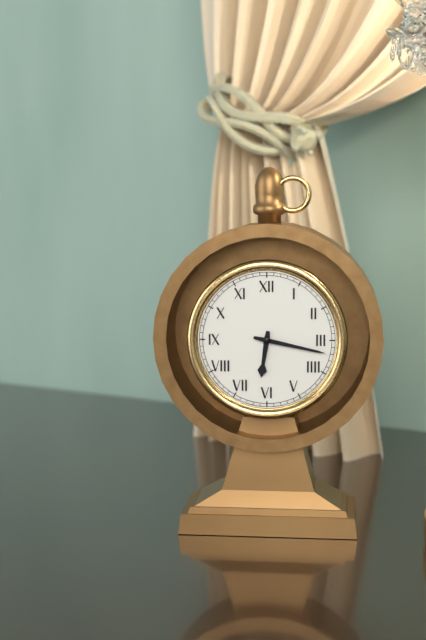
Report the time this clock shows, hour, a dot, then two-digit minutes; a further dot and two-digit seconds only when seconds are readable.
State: 6.17
